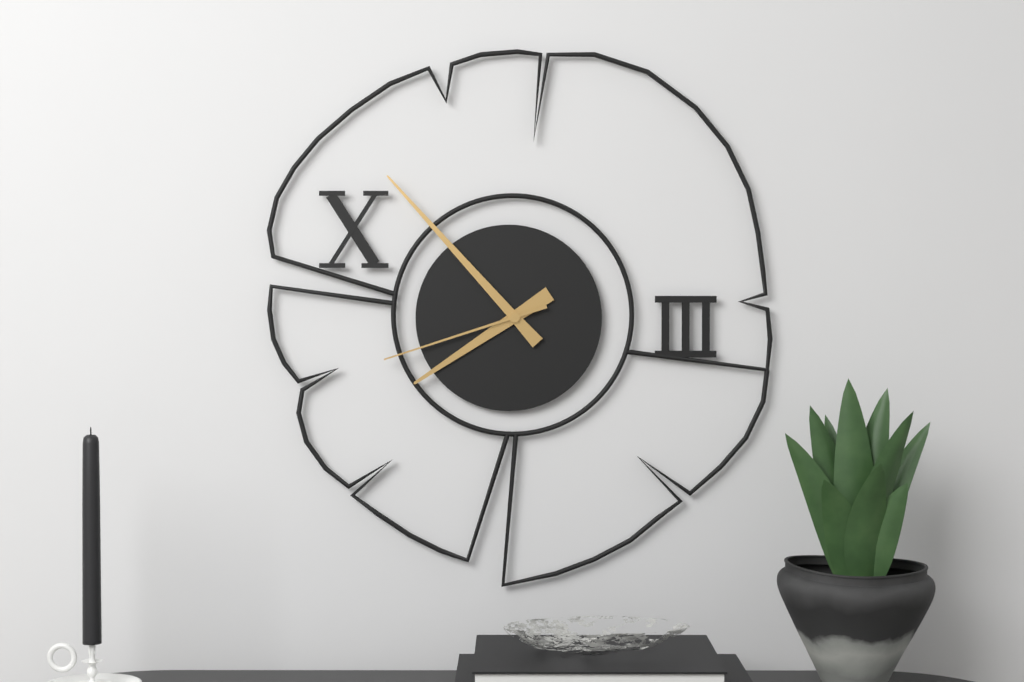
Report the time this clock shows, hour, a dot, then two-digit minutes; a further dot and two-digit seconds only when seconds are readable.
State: 7.53.42
